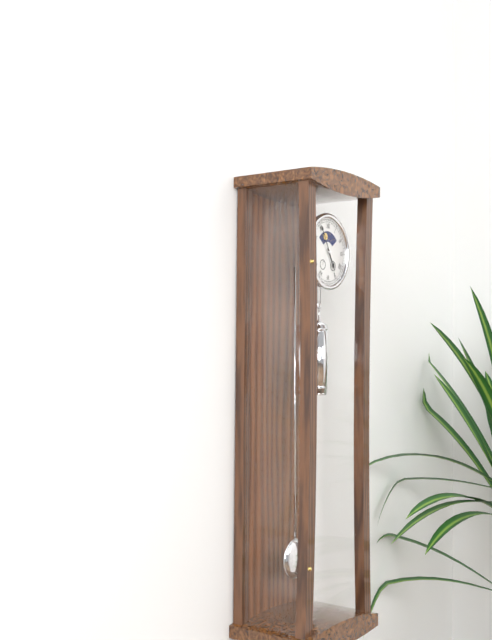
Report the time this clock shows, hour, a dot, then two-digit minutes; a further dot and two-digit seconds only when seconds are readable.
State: 4.55
